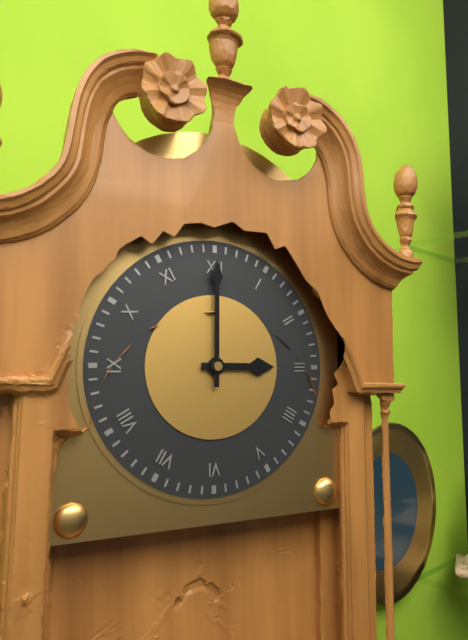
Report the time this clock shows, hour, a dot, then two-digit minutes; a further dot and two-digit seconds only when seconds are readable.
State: 3.00
